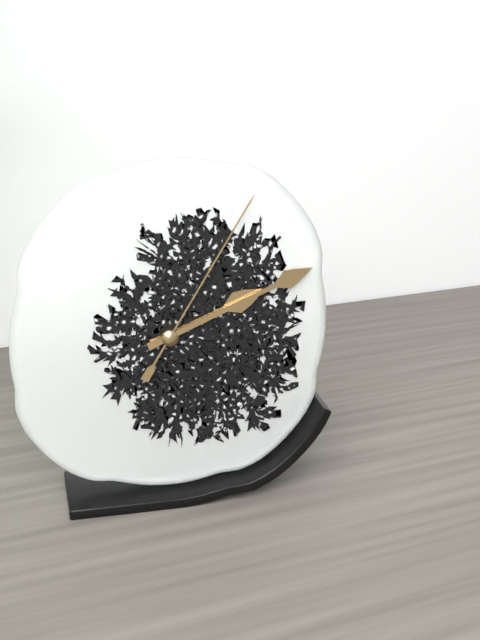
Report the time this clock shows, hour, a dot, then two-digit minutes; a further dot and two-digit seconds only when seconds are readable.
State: 2.11.05
